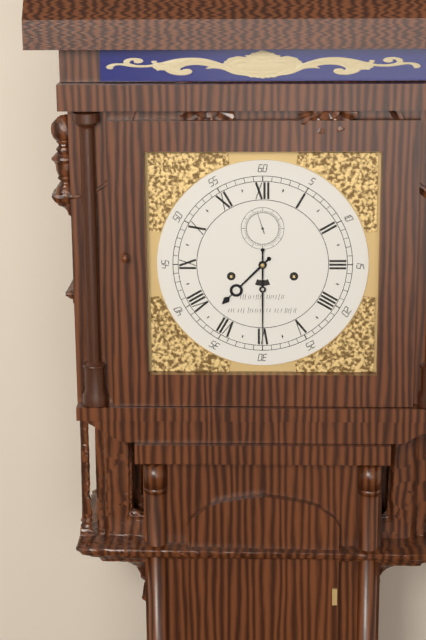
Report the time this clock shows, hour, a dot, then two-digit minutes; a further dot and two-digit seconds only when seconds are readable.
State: 7.30
